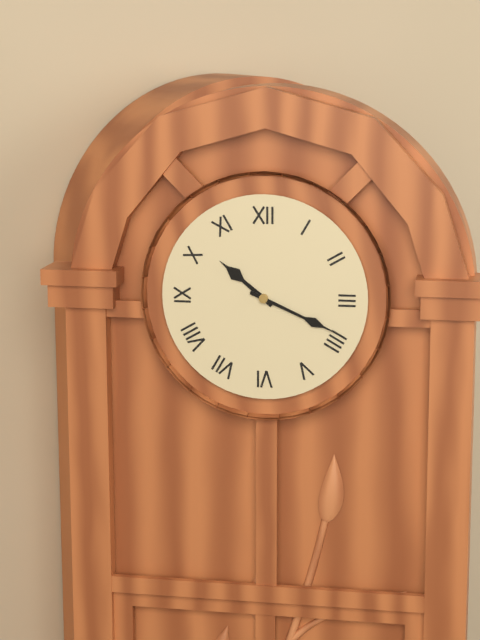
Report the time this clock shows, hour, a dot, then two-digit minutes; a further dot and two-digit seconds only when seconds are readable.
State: 10.19
